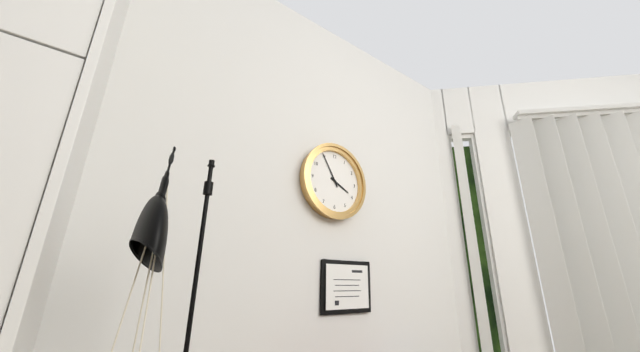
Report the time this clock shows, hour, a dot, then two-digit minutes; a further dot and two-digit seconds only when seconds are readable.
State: 3.55
